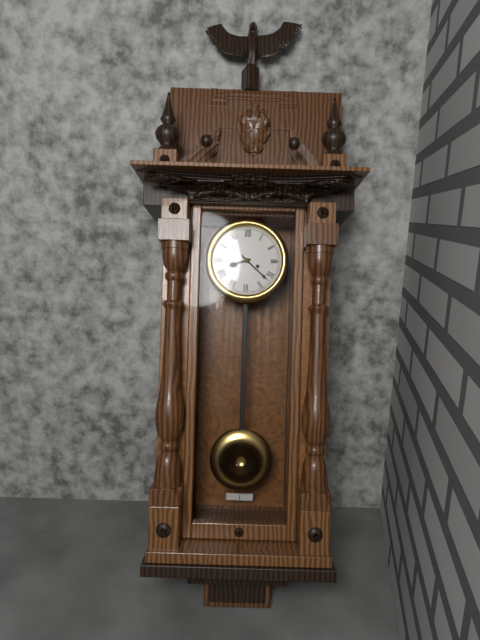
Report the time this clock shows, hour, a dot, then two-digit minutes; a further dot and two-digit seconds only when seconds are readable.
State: 8.22
